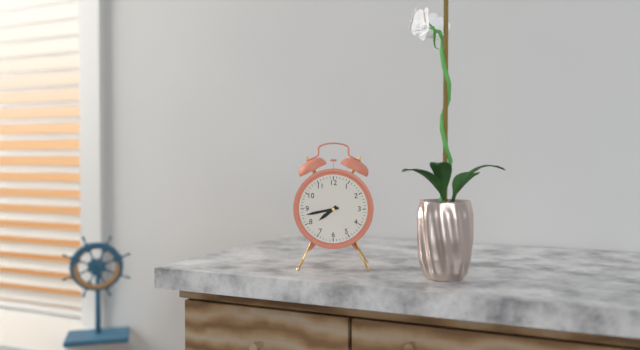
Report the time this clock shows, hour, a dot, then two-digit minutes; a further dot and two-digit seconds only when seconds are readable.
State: 7.43
